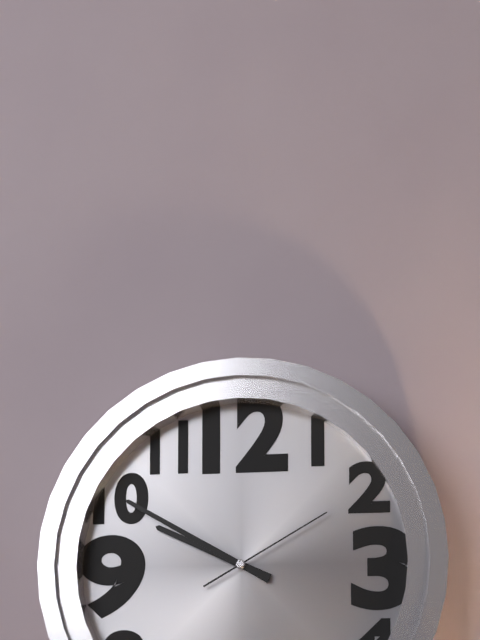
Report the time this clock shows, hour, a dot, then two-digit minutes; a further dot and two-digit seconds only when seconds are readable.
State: 9.50.10
